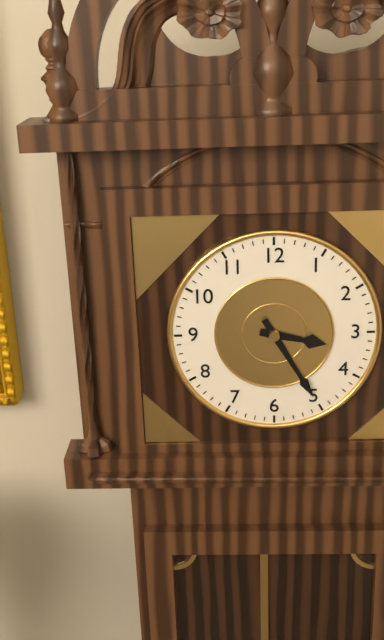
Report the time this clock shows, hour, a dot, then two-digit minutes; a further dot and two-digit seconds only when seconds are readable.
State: 3.25
